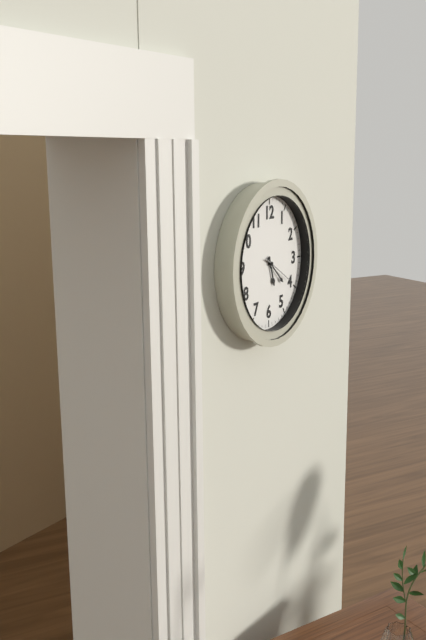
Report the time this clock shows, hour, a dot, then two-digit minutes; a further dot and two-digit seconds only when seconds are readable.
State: 5.22
